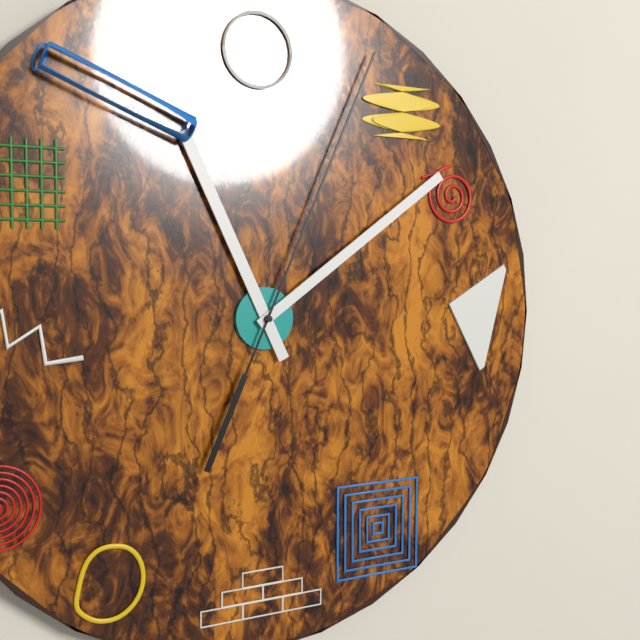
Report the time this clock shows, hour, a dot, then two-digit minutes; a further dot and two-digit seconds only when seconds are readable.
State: 11.09.04
